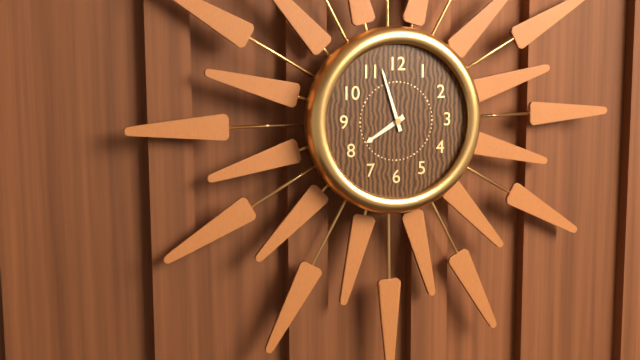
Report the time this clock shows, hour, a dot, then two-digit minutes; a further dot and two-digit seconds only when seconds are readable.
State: 7.57
